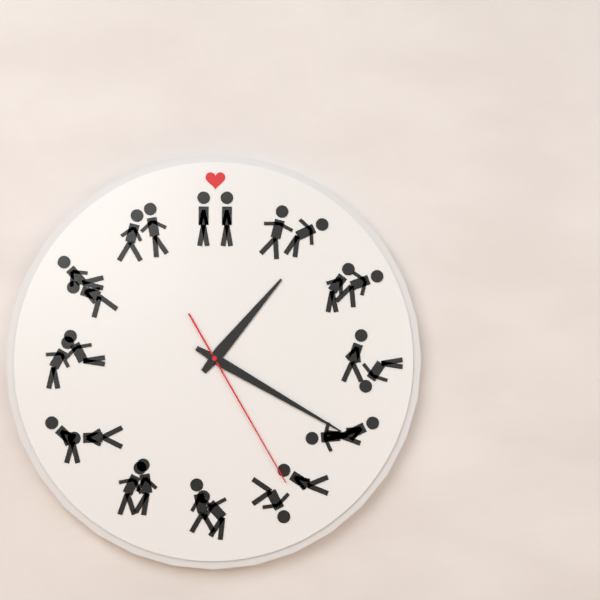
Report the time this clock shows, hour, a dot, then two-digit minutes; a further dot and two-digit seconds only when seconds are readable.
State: 1.20.25
